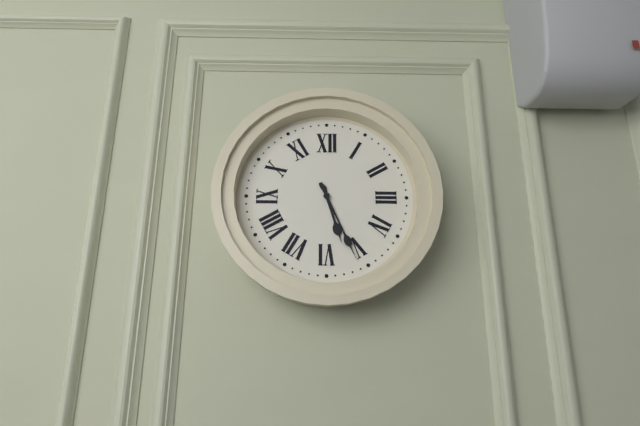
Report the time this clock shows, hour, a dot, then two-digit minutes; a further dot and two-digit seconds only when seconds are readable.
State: 5.26
